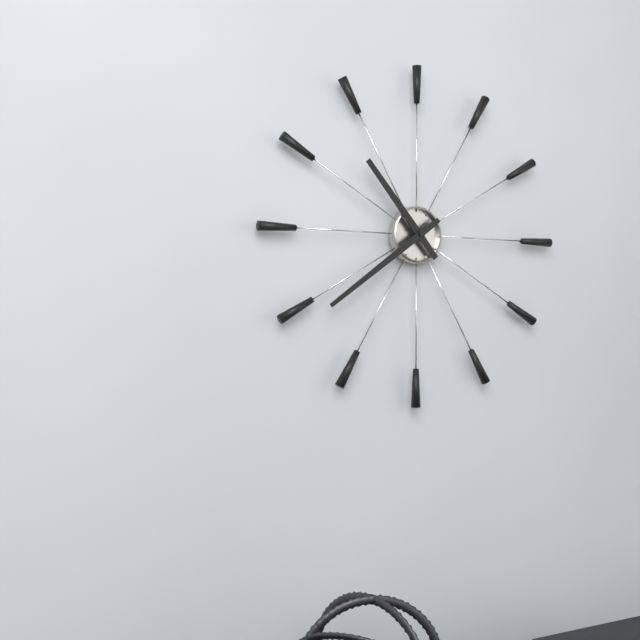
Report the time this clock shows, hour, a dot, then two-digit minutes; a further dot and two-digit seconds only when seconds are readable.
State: 10.39
